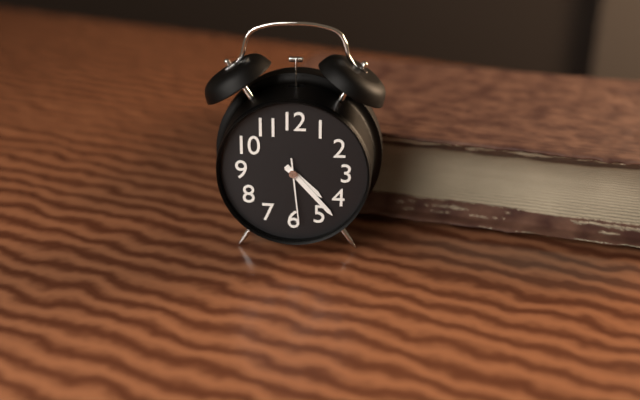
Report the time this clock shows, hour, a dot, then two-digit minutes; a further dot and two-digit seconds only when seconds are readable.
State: 4.23.29
